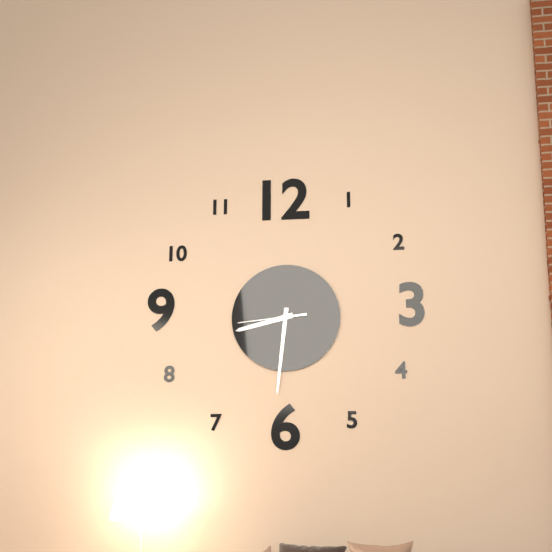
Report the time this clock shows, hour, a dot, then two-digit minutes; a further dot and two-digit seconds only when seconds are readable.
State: 8.31.44
